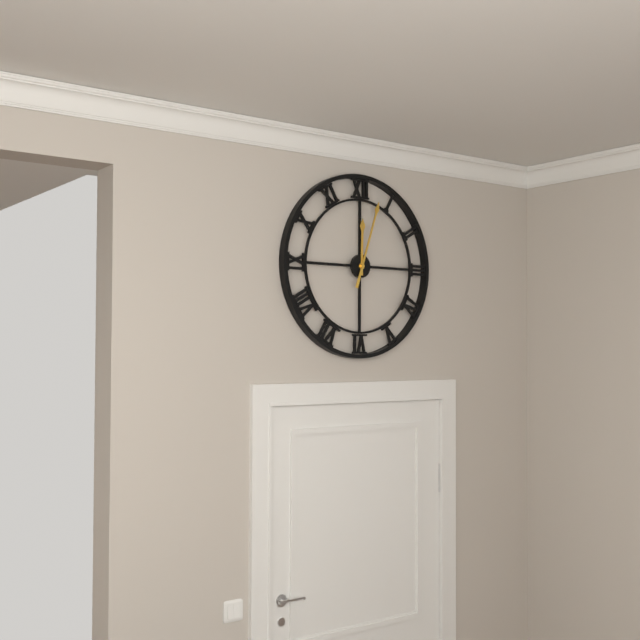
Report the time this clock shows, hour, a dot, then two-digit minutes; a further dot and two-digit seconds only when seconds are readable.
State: 12.03
